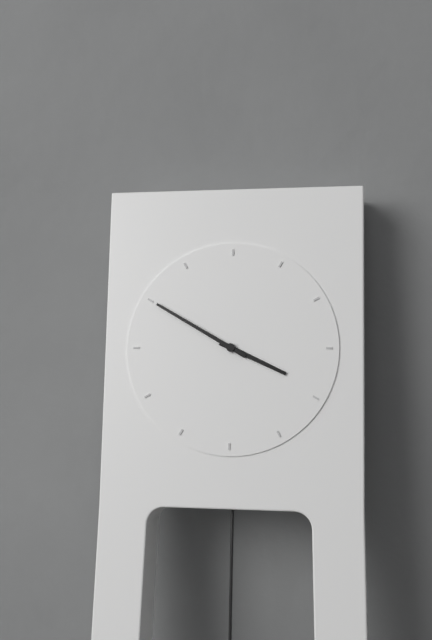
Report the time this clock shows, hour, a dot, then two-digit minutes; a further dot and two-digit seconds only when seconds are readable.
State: 3.50
